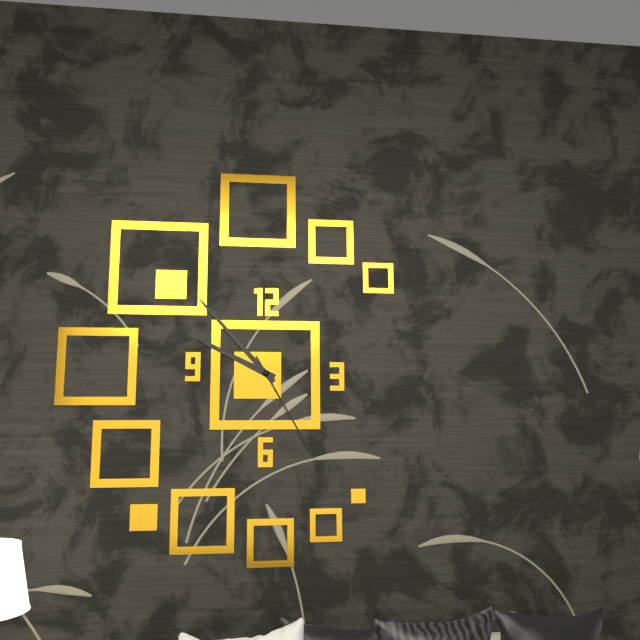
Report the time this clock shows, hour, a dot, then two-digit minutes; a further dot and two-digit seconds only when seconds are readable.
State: 9.53.25
